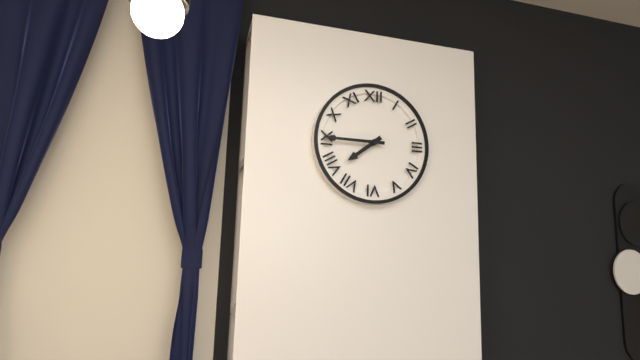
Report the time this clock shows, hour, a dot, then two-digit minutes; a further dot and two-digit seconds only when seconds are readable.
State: 7.45
